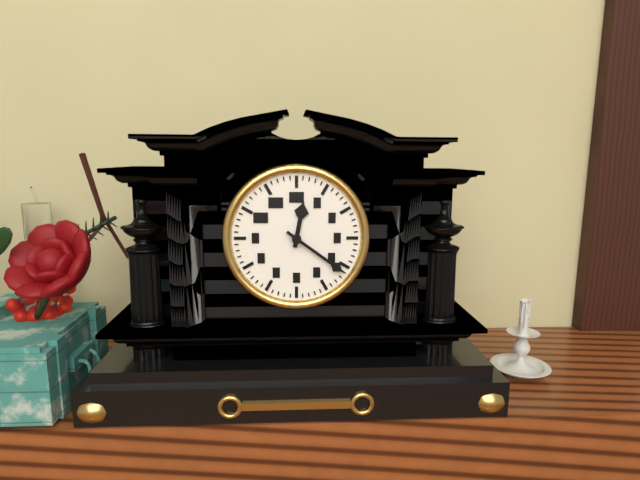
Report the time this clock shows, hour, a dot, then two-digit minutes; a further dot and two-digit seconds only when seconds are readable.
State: 12.21
